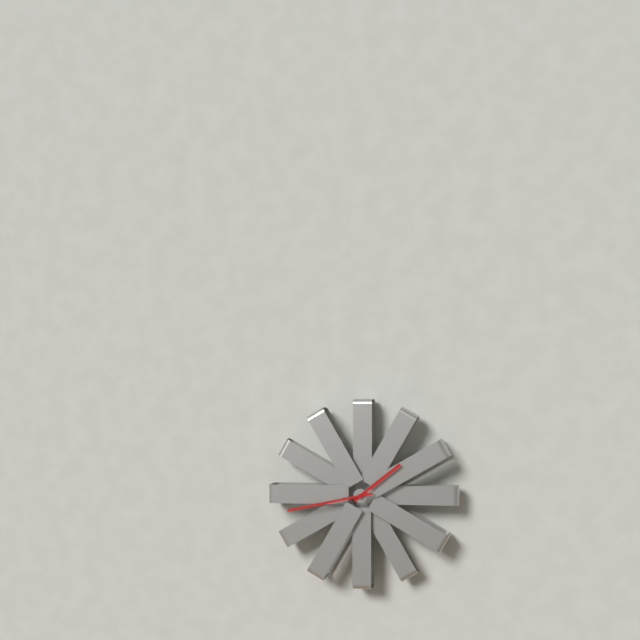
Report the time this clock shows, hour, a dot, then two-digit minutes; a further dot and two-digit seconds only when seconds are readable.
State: 1.43
